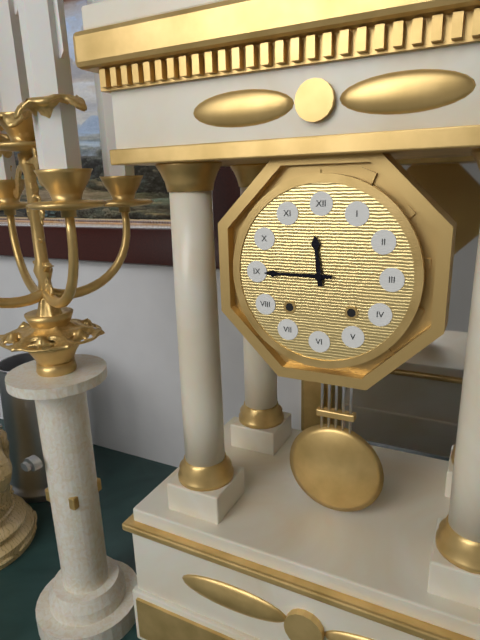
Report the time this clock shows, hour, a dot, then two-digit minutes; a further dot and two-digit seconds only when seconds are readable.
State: 11.45
